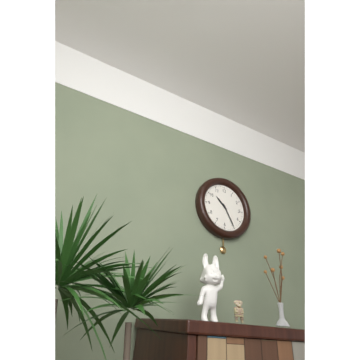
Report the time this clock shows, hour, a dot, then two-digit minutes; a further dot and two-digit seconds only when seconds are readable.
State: 10.25
